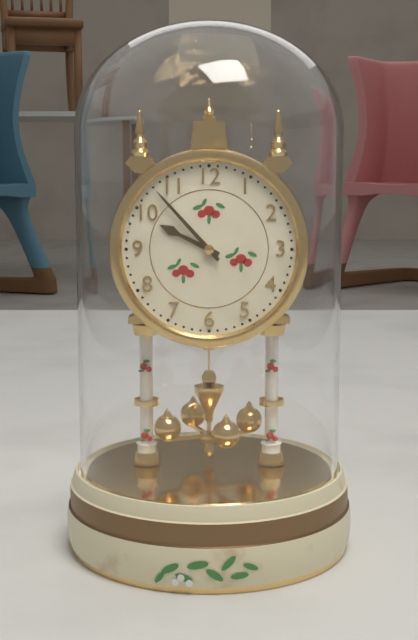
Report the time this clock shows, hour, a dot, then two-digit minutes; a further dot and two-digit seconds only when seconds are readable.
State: 9.53
